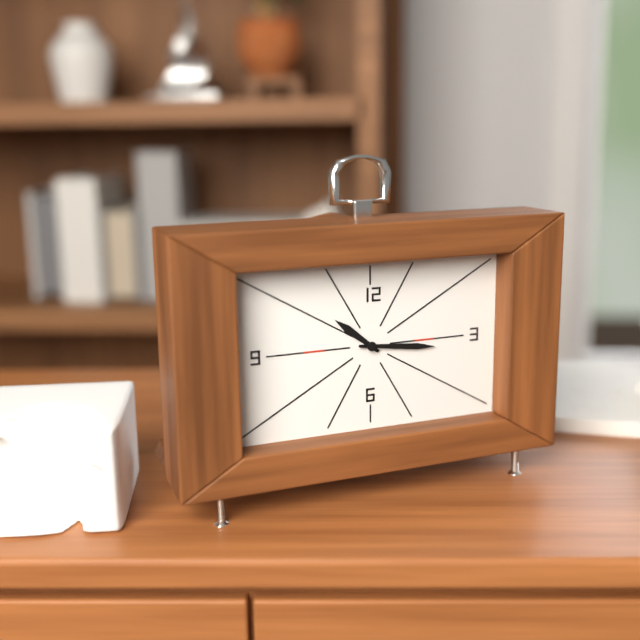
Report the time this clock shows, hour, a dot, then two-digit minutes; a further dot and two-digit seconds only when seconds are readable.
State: 10.16
